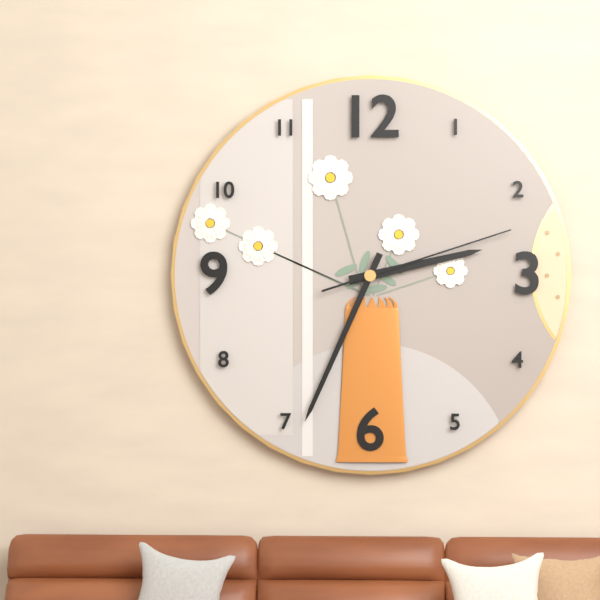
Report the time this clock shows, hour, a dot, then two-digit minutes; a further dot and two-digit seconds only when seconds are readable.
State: 2.34.12
